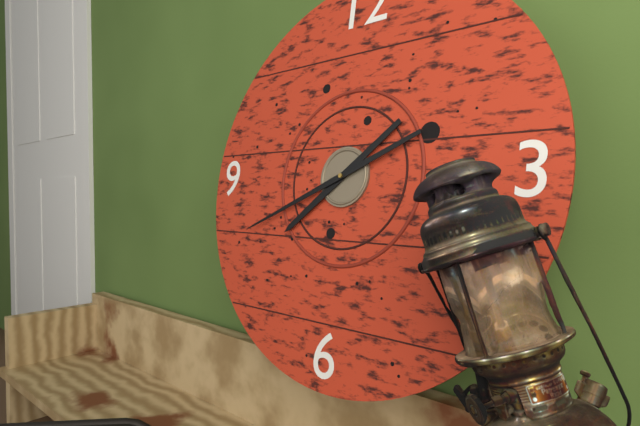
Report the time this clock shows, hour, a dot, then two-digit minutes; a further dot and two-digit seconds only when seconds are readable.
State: 7.41
